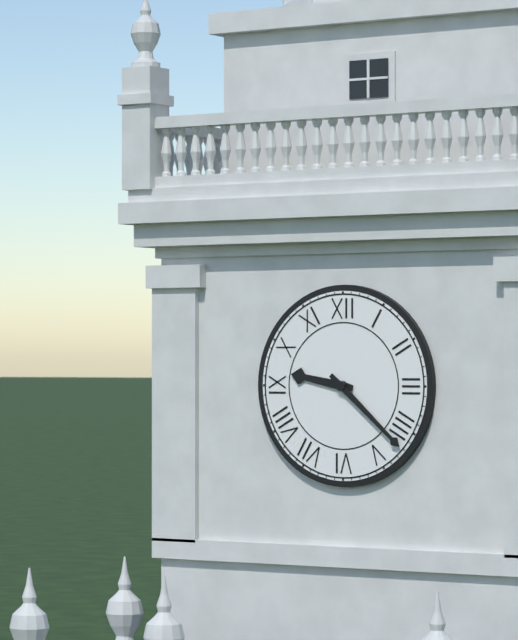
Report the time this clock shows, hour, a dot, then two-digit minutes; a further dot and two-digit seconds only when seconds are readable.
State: 9.22
